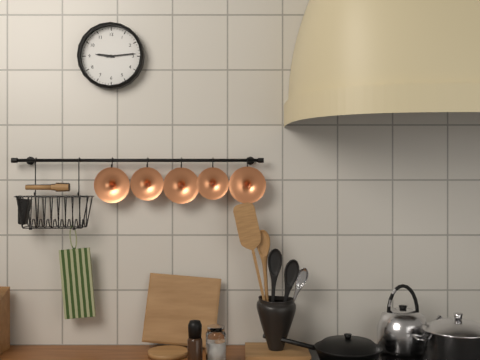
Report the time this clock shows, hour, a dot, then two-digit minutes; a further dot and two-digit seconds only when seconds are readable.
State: 9.14
